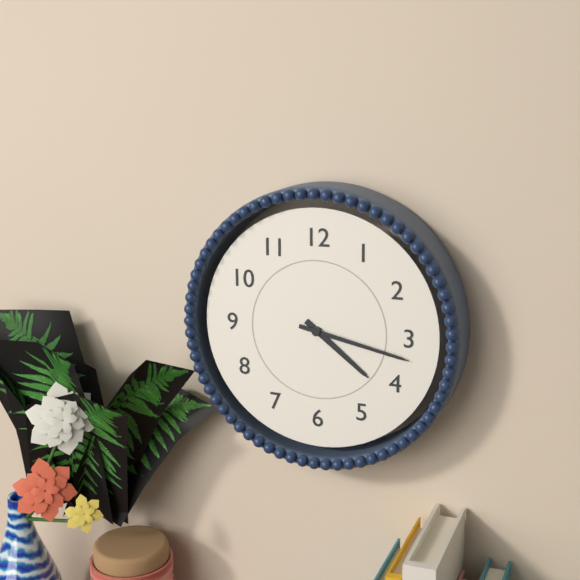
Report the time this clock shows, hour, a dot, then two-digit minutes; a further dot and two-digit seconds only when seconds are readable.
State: 4.17
